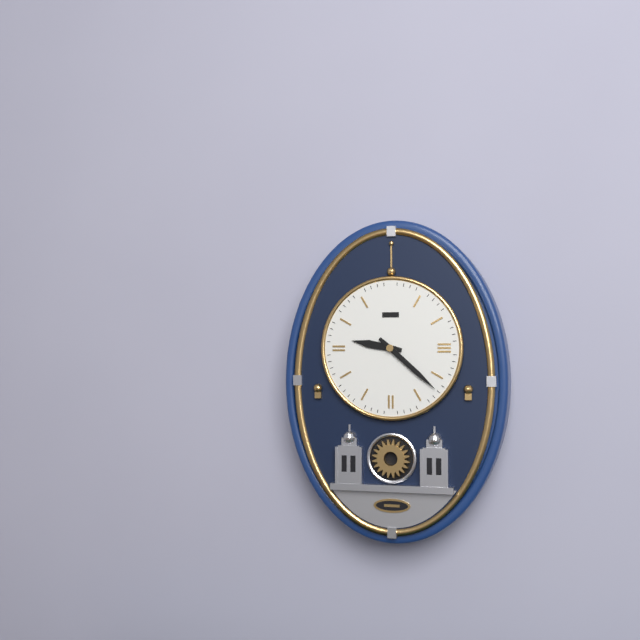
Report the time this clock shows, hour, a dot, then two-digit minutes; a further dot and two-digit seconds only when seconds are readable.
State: 9.22
